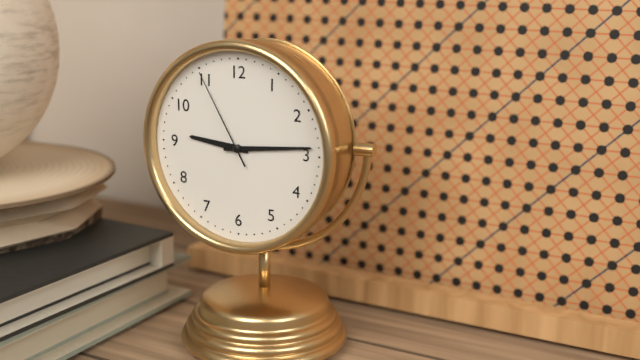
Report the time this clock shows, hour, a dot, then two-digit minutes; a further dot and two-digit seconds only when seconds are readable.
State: 9.14.55
